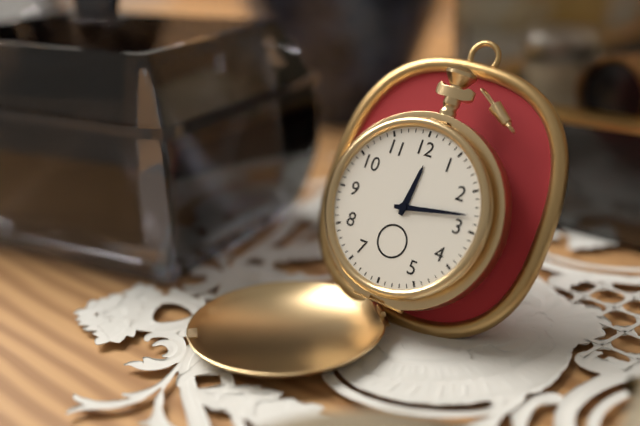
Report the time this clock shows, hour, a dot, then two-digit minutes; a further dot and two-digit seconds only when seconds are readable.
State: 12.13
